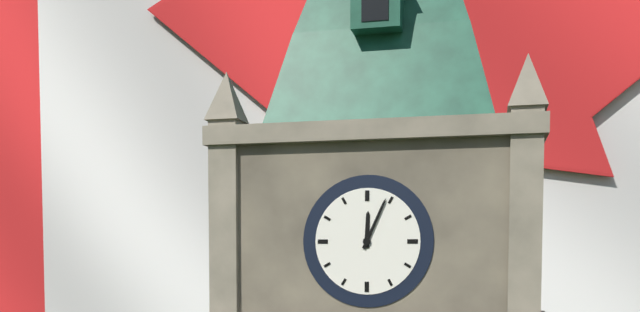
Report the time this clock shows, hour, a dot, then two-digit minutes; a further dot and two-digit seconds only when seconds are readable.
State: 12.04
